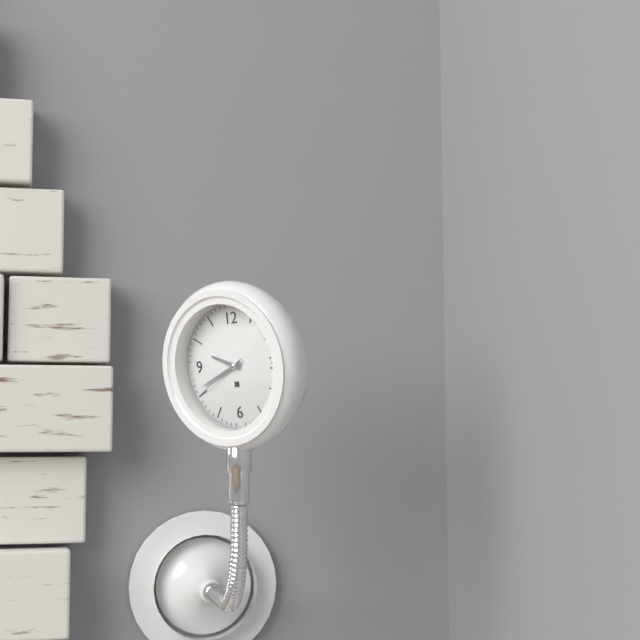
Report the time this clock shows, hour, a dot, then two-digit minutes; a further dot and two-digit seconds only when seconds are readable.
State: 9.41.40
